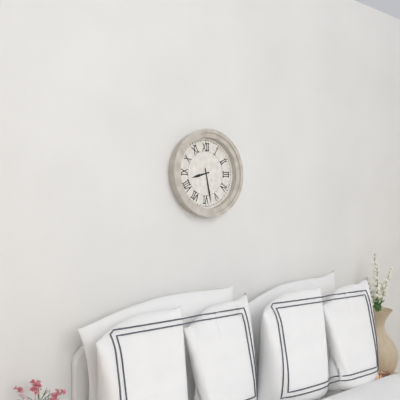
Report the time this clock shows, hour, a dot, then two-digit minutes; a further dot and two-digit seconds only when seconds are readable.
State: 8.28
